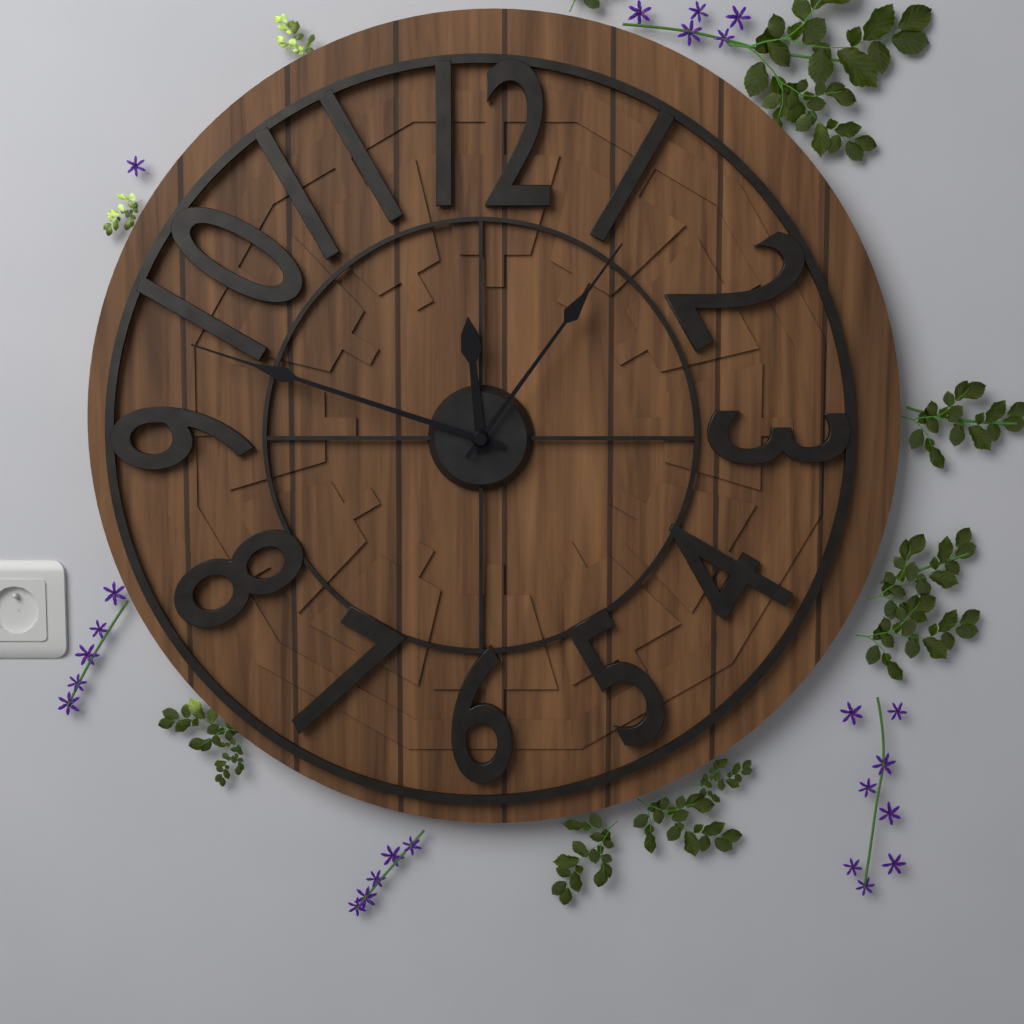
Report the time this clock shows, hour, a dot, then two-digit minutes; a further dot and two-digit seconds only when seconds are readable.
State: 11.48.06
